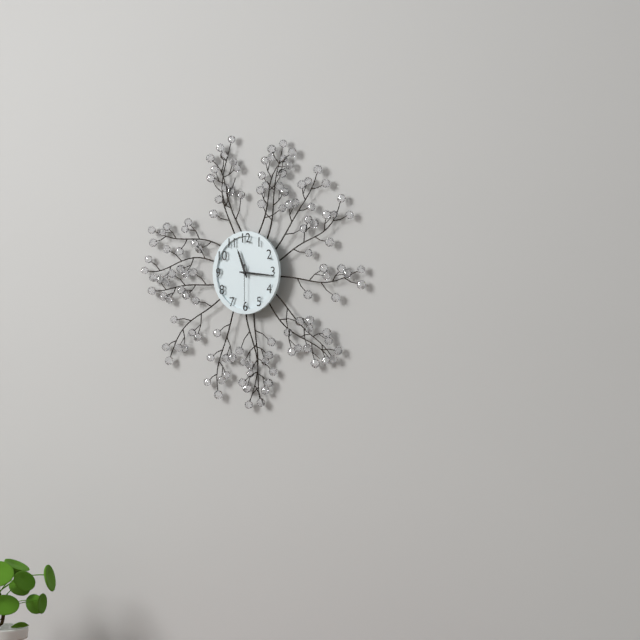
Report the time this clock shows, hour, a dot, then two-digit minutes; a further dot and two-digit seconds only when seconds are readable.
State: 11.16
